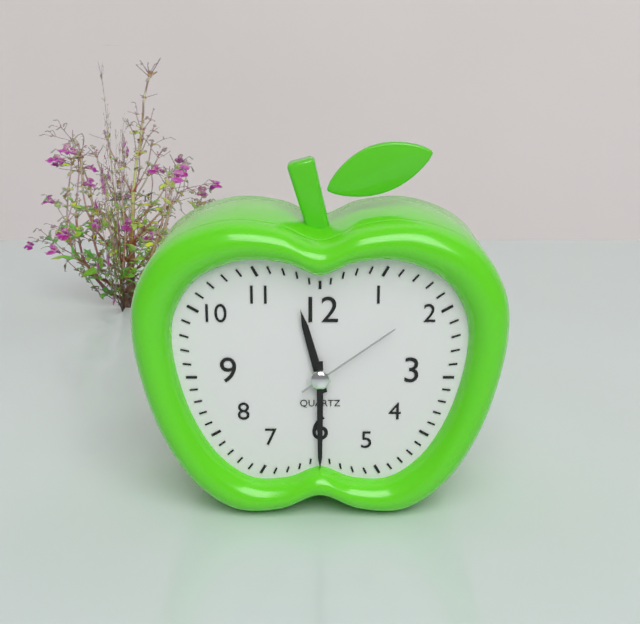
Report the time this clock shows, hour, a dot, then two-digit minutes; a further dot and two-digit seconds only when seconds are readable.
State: 11.30.09
